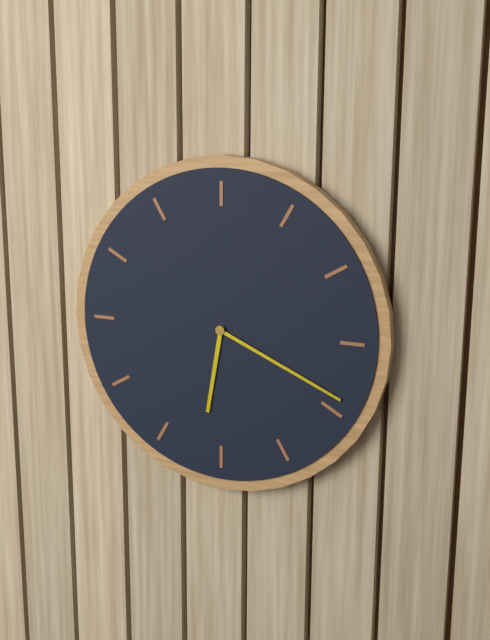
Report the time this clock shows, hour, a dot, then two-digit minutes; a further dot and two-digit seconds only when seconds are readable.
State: 6.19
